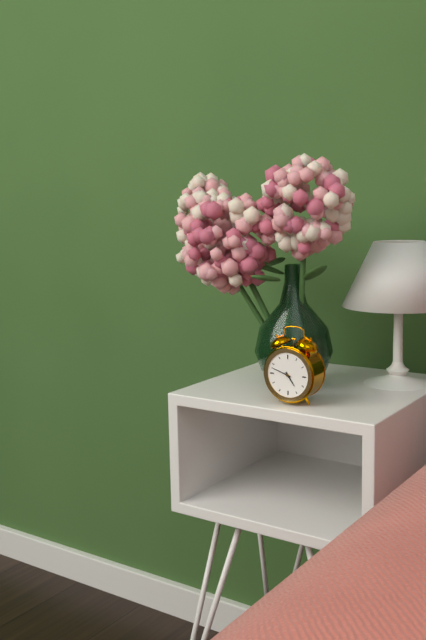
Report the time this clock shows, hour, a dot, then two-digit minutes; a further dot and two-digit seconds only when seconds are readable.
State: 4.48
